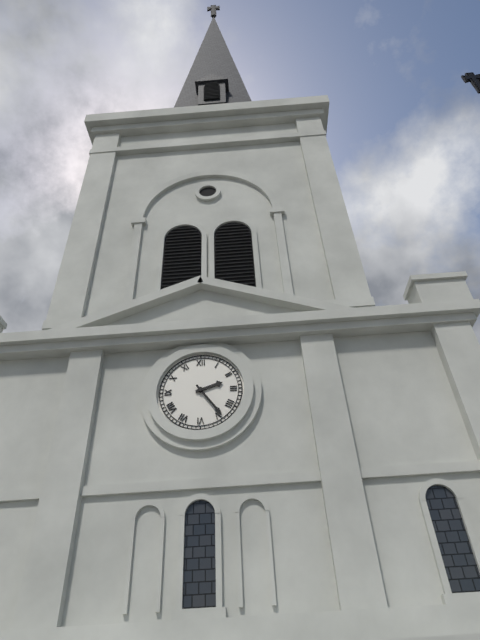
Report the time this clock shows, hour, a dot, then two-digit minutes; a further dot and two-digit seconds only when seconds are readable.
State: 2.24
